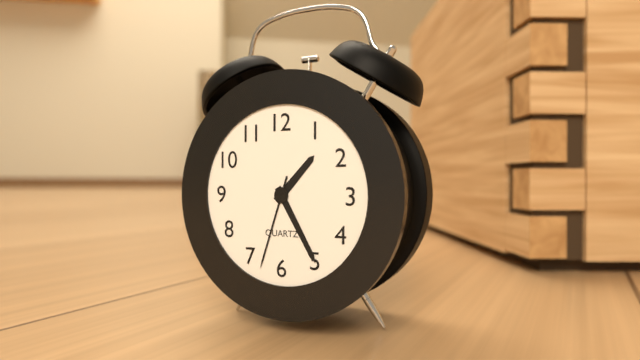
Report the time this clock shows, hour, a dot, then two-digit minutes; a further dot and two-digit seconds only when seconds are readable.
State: 1.25.33
